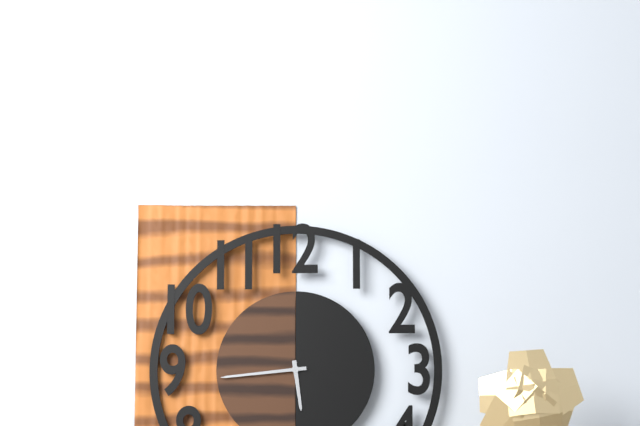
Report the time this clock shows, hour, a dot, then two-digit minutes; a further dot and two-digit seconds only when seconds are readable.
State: 5.44
